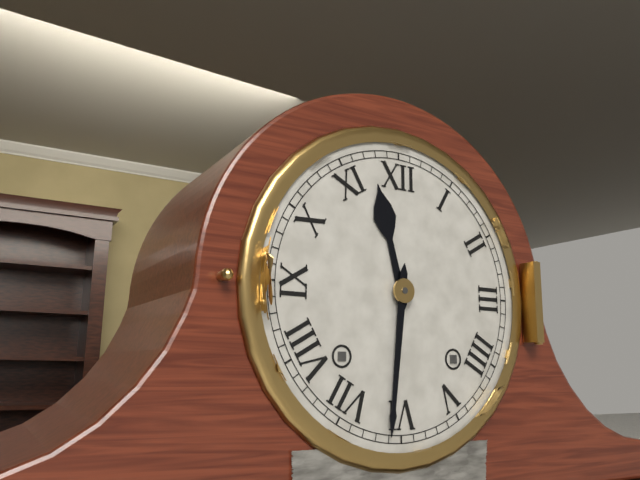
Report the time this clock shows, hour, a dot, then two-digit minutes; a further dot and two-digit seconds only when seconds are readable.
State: 11.31
